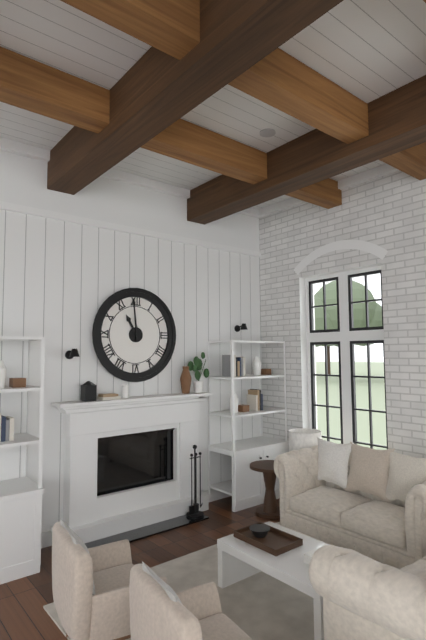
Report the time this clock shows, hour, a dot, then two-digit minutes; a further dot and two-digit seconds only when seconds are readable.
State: 10.59
